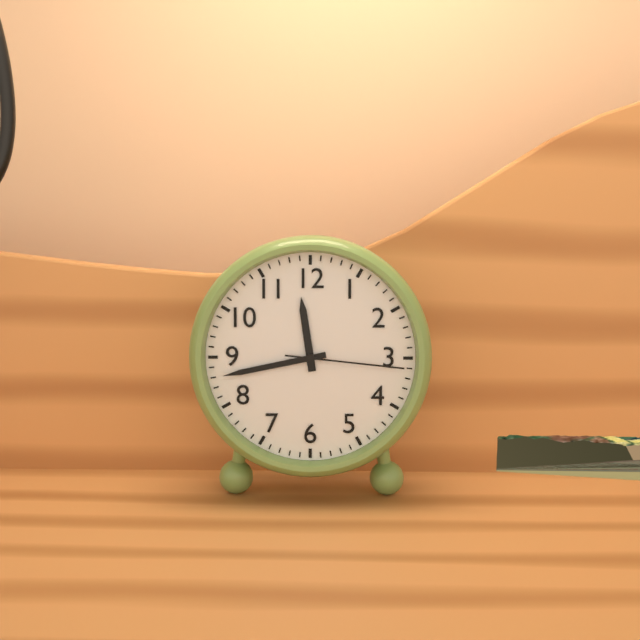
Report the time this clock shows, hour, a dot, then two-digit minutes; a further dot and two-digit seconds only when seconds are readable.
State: 11.43.16
